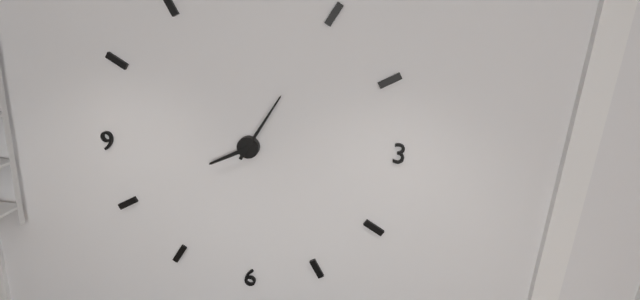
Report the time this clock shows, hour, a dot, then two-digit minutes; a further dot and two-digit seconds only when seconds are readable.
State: 8.05
